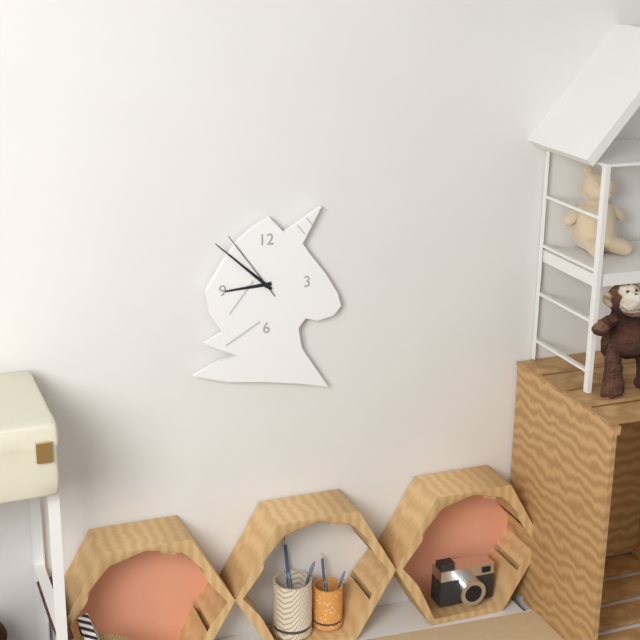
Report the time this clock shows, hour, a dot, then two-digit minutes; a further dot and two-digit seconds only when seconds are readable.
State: 8.52.54
